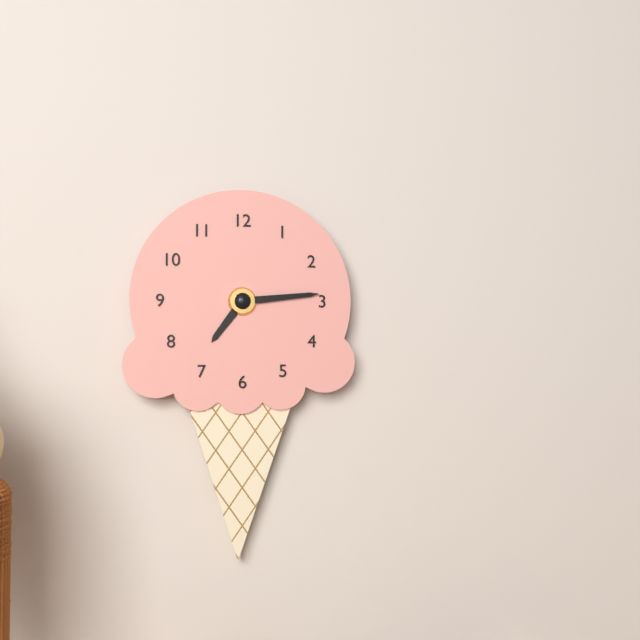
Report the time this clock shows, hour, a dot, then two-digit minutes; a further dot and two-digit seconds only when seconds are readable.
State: 7.14
